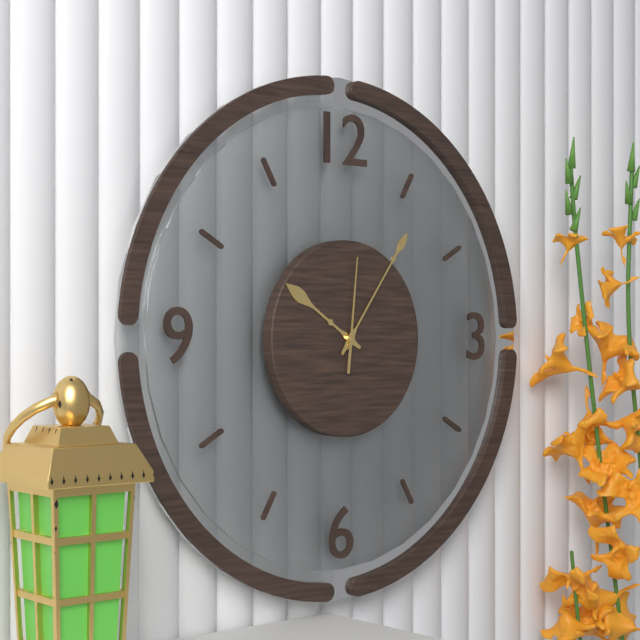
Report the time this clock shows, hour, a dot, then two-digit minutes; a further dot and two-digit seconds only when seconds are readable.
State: 10.06.01
